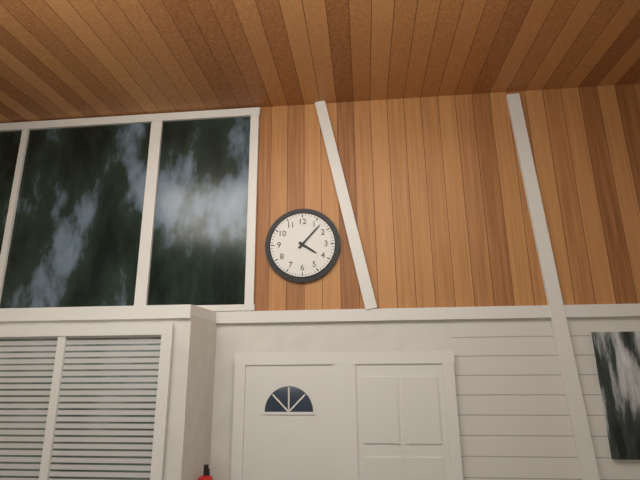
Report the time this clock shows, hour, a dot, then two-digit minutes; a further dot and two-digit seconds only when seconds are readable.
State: 4.07
